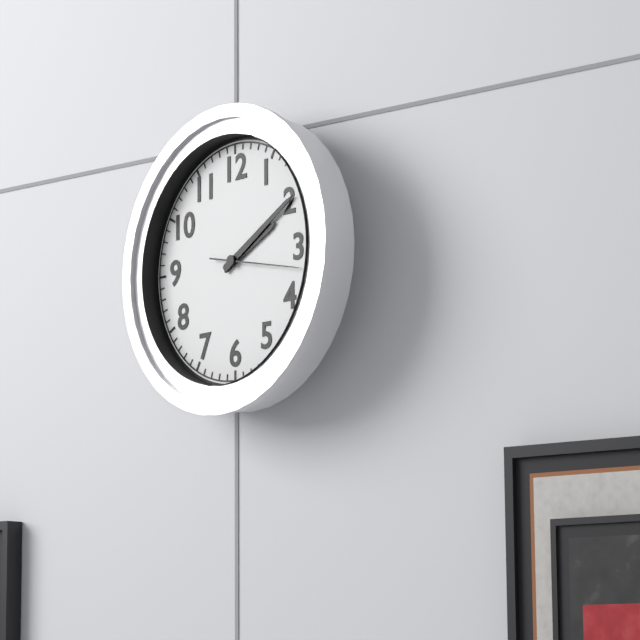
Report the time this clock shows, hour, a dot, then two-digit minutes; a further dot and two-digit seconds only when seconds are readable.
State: 2.10.17
